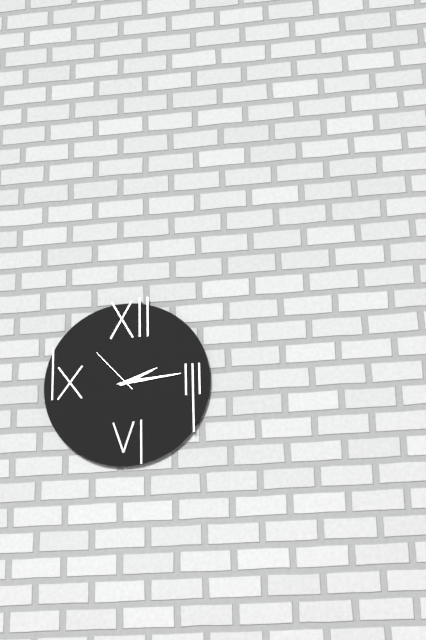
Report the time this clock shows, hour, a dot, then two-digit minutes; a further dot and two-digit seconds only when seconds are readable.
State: 2.14.53
